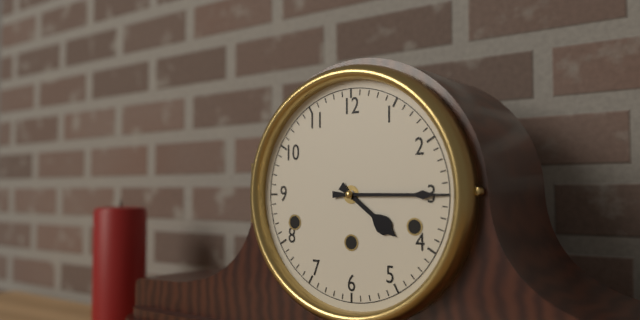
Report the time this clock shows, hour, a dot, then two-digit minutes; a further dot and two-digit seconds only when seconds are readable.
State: 4.15
